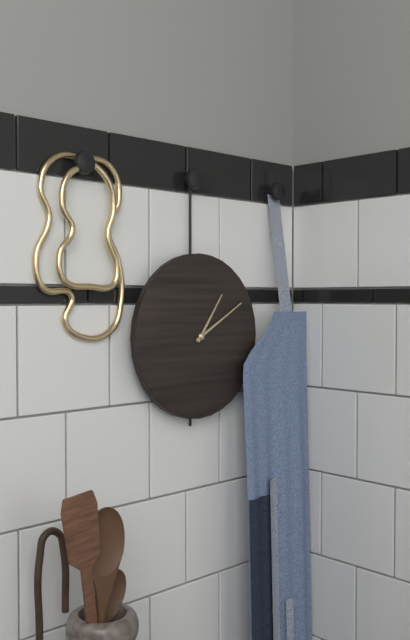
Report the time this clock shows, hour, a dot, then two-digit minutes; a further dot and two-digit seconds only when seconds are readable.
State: 1.10
